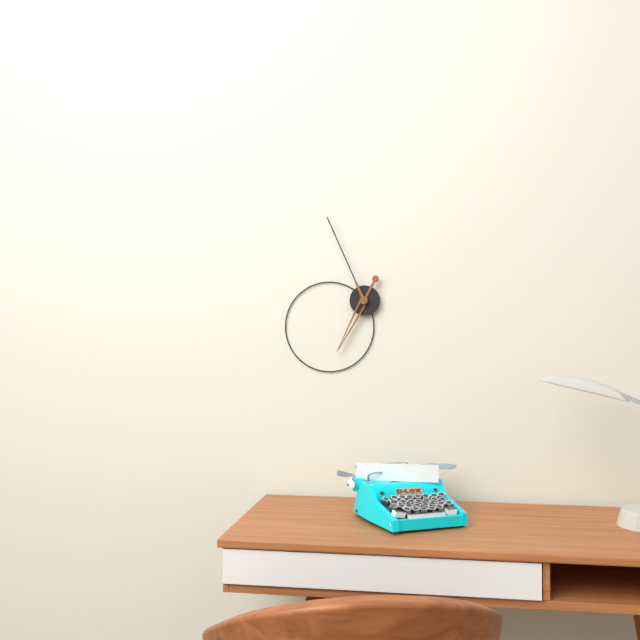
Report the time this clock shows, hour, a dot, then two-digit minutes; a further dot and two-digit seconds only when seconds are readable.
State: 6.56
